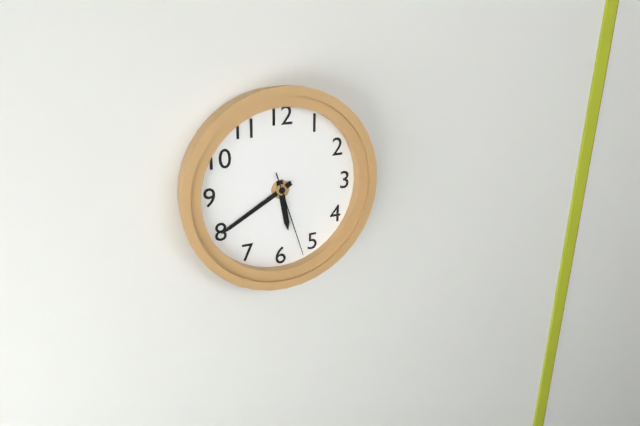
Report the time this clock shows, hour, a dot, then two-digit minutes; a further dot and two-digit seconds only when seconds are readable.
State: 5.40.27
